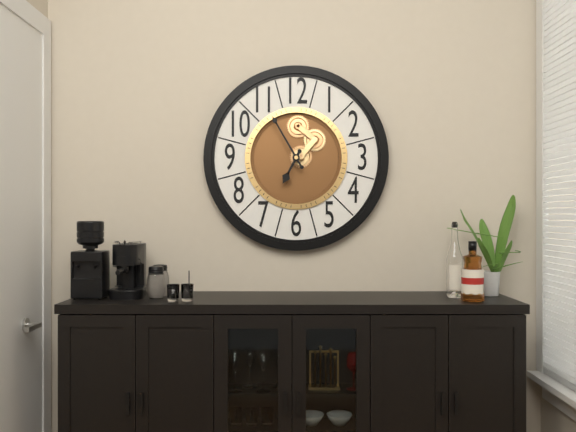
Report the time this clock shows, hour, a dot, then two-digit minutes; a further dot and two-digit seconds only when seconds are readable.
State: 6.55
